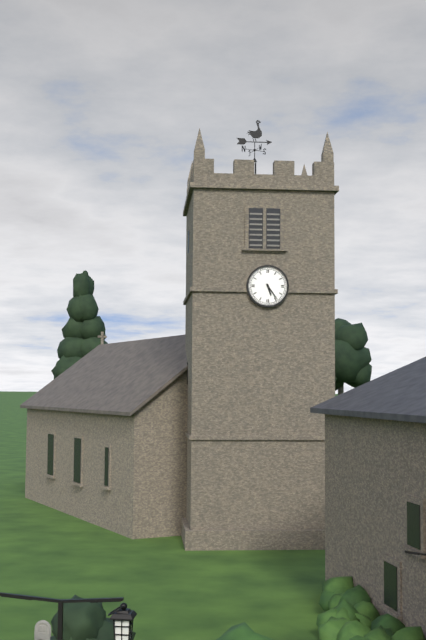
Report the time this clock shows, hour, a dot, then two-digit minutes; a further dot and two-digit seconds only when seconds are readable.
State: 5.24
